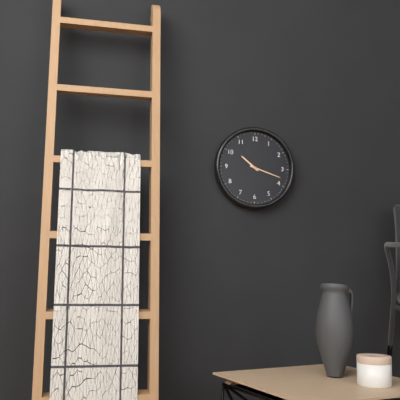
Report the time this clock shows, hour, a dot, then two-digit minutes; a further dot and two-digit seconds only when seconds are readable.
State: 10.18
